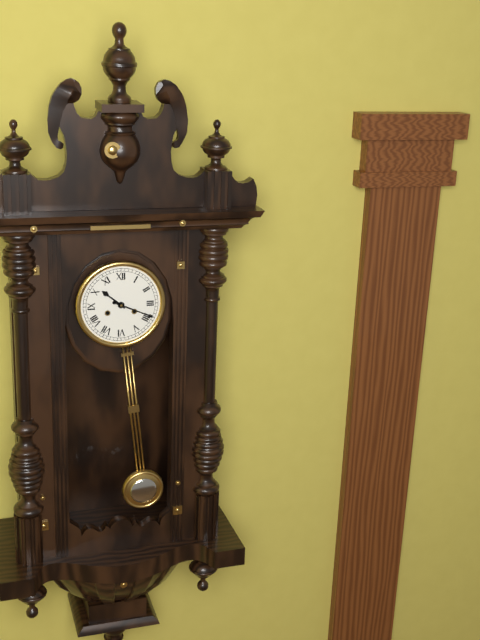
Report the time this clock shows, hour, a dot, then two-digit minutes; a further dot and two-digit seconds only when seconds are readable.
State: 10.19
